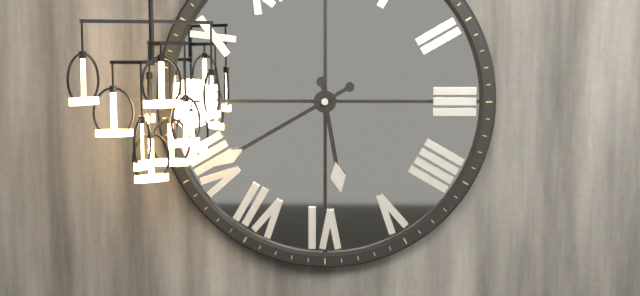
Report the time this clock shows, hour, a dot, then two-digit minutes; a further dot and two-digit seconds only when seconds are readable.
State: 5.40
